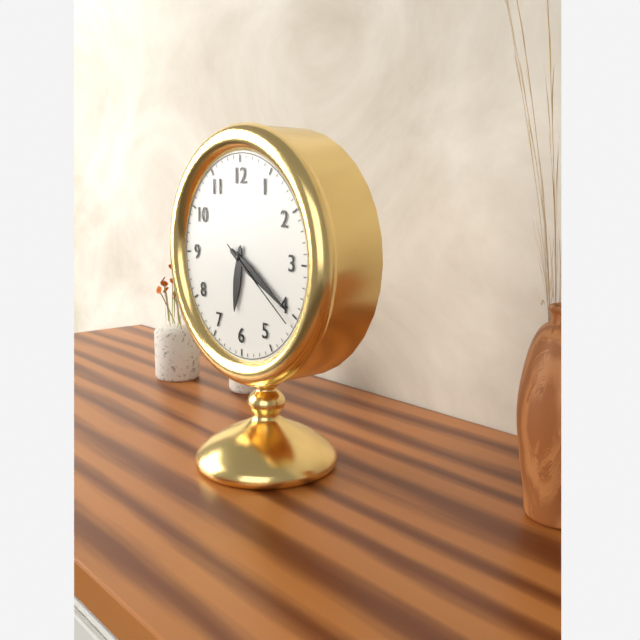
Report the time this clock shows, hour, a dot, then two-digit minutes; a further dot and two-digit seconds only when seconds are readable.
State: 6.20.21
